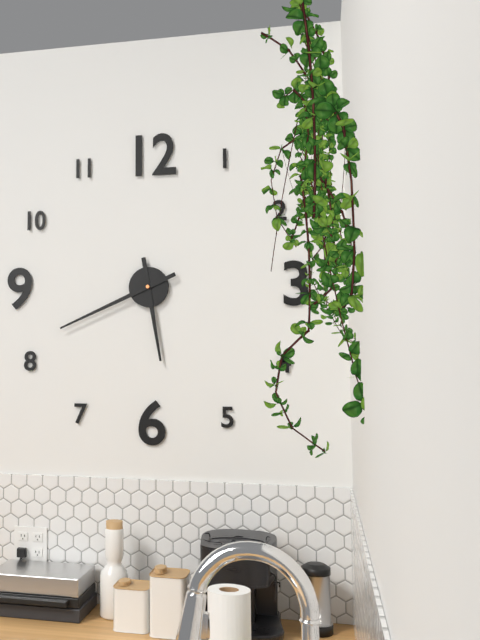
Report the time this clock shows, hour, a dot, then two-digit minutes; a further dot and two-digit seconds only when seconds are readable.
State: 5.41
